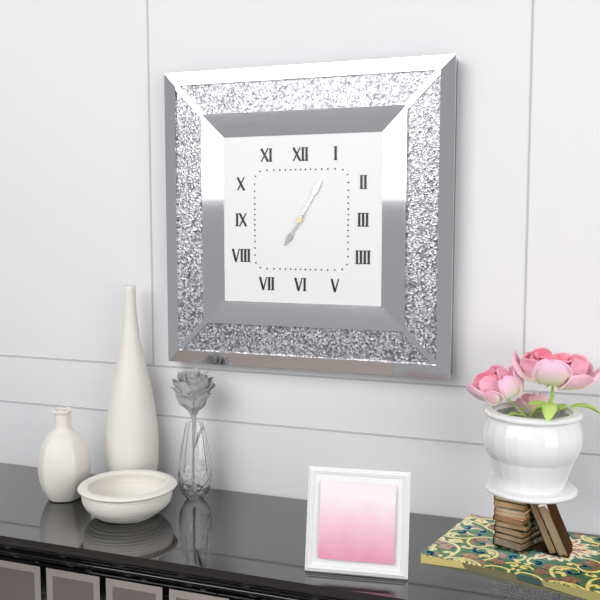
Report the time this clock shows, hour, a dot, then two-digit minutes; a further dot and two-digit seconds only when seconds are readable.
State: 7.05
